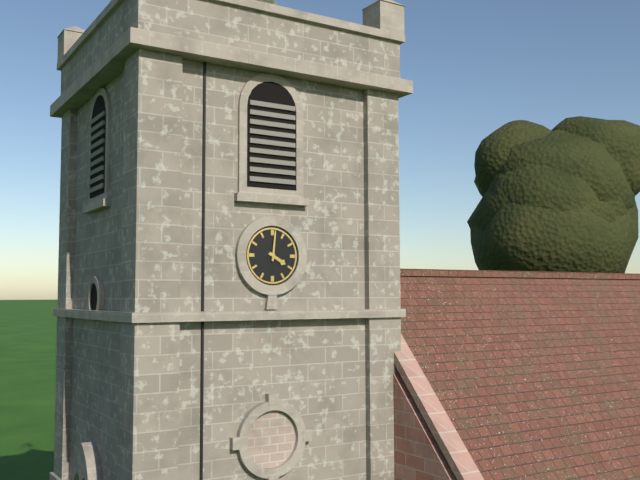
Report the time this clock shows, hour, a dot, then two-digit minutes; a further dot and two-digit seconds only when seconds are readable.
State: 4.01
